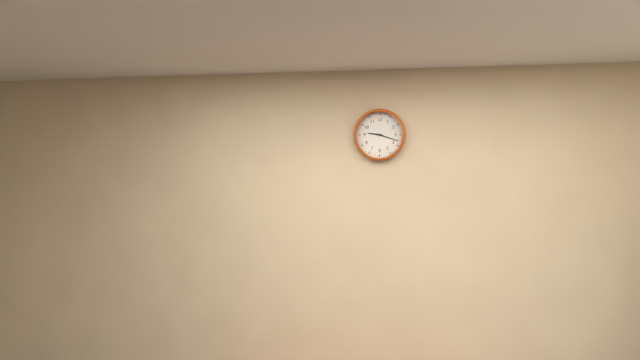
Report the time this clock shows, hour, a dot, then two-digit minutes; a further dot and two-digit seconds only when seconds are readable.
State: 9.18
